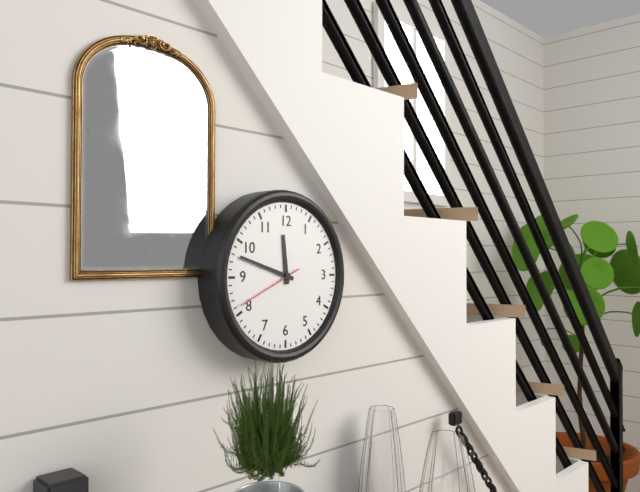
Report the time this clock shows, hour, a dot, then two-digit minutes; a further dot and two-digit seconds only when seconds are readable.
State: 11.48.41
